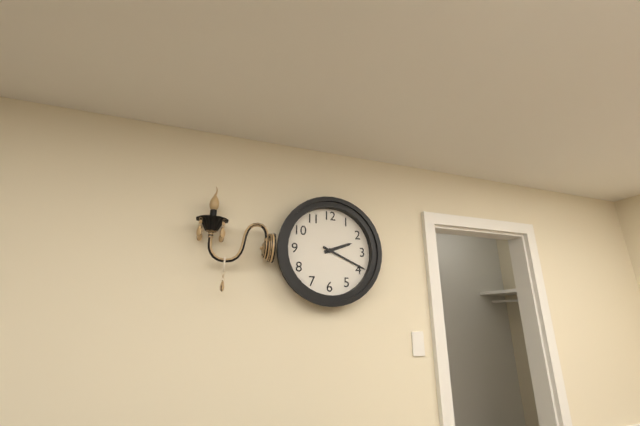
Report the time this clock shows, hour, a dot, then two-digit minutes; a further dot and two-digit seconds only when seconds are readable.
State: 2.19
